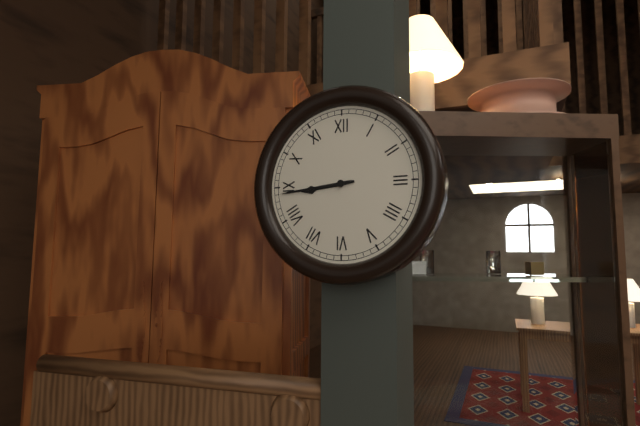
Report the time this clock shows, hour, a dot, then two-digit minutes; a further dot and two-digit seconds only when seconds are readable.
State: 8.44
